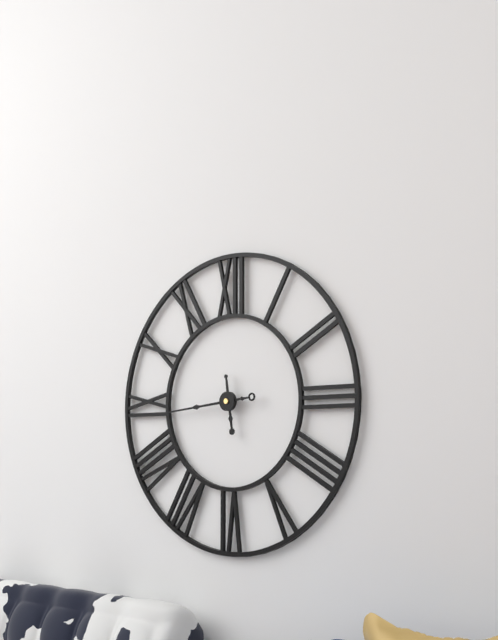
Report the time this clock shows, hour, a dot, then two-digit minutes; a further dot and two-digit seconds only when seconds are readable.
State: 5.44
